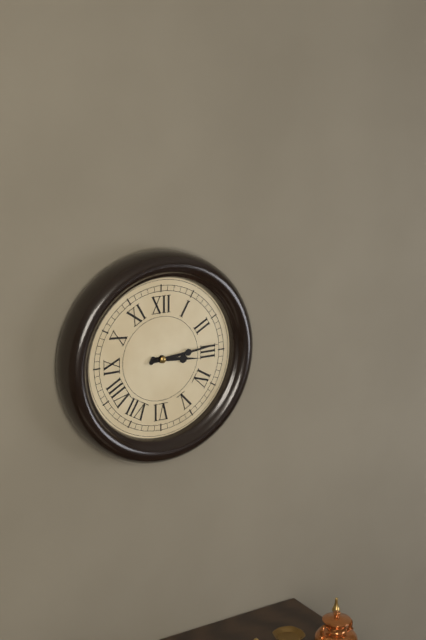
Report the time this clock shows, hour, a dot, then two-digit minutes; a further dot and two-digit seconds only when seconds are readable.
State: 3.14
